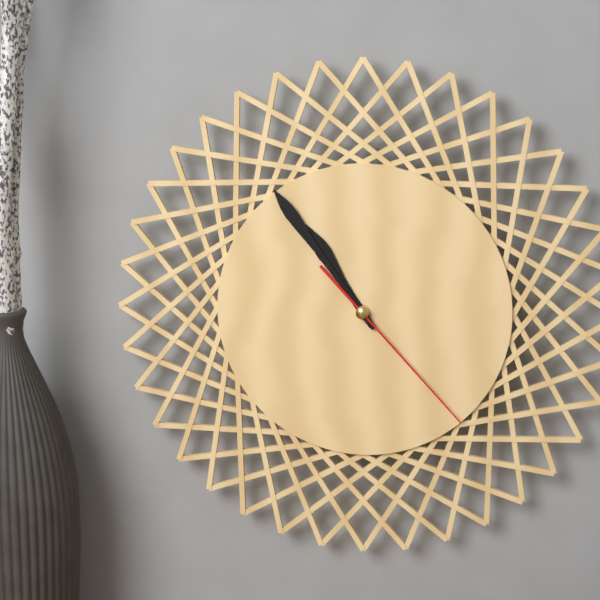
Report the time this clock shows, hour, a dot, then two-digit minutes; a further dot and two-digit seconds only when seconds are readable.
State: 10.54.23
